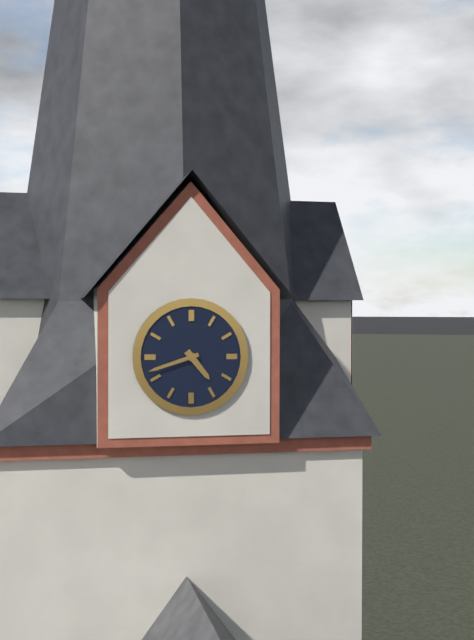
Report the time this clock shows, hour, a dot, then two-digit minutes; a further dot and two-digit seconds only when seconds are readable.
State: 4.42
